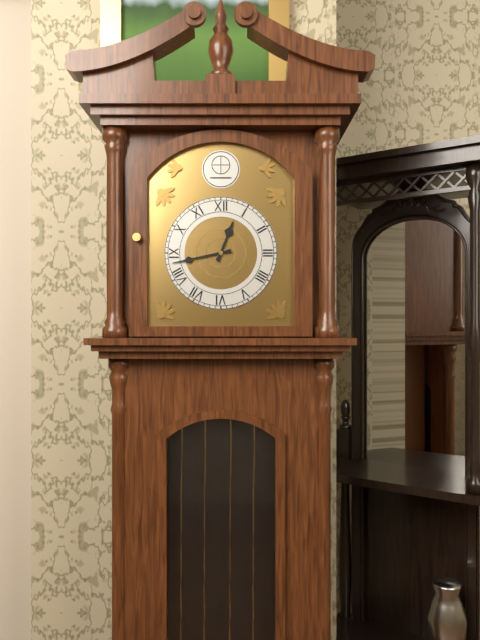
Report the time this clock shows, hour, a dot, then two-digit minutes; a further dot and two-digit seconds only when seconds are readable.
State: 12.43
